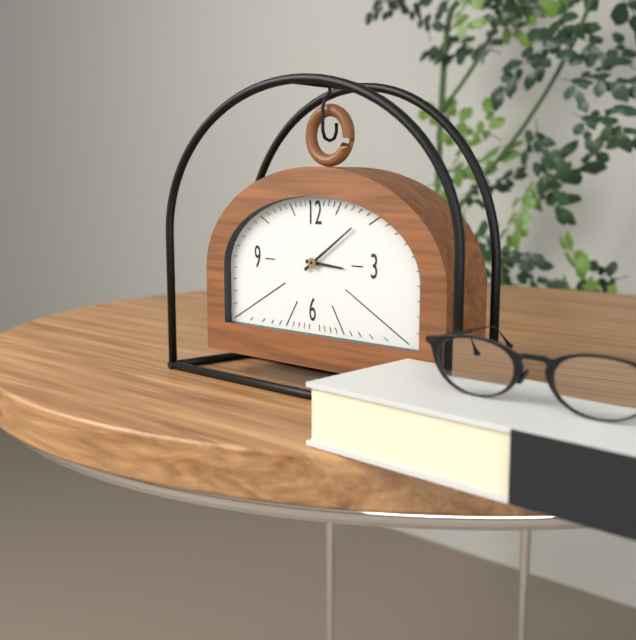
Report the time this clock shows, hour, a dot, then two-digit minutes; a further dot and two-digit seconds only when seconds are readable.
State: 3.09
